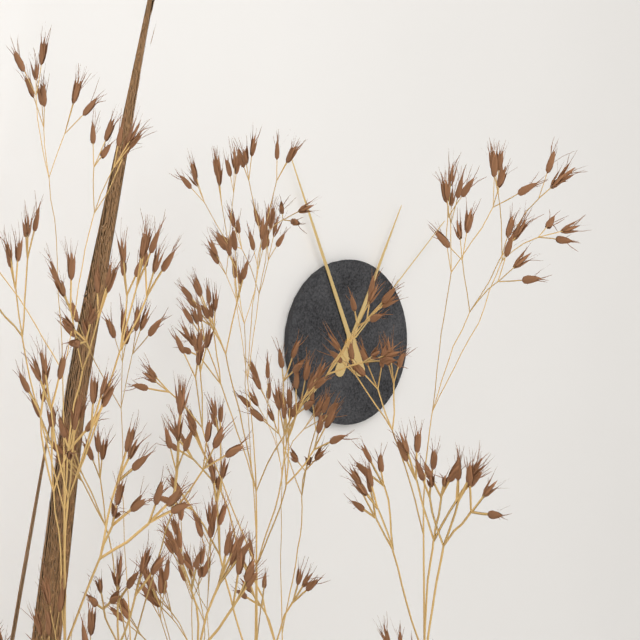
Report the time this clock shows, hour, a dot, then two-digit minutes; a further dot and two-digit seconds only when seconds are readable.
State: 12.56.08
